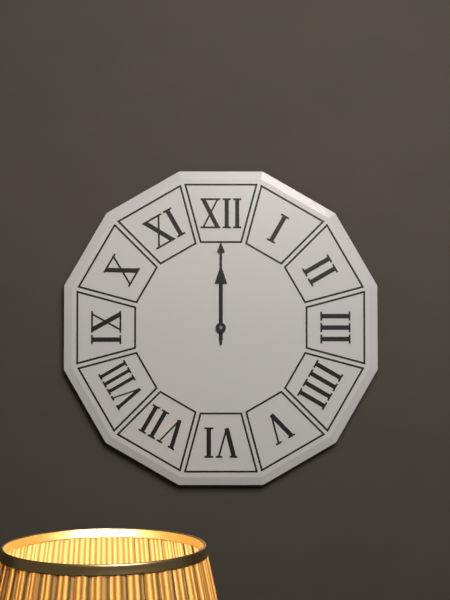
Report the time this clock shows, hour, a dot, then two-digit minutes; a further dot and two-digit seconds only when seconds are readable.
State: 12.00
